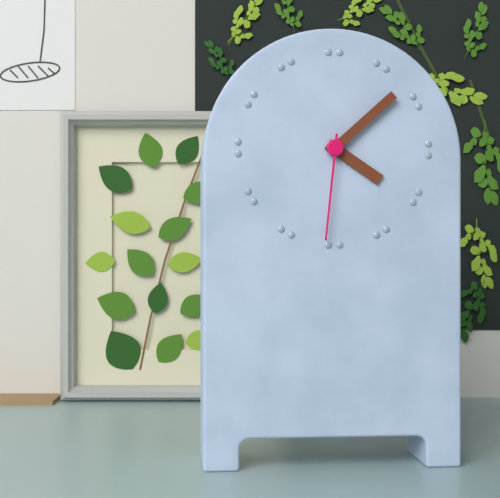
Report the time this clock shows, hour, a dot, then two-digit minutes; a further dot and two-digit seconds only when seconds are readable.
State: 4.08.31
